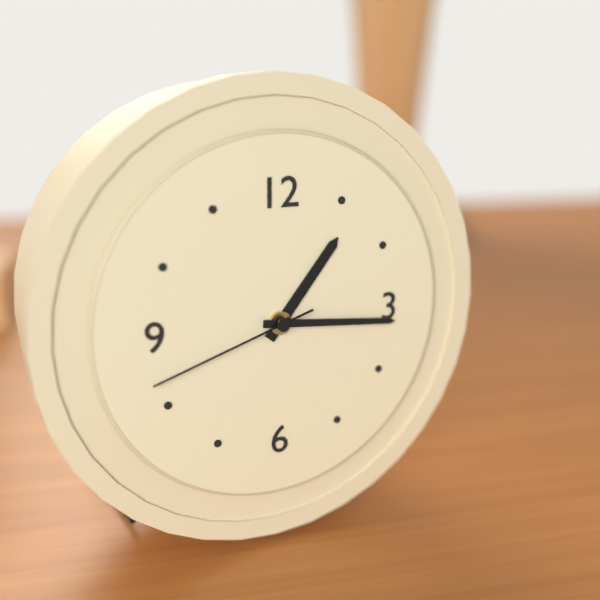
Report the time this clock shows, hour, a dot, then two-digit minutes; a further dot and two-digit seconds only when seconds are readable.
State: 1.16.42
